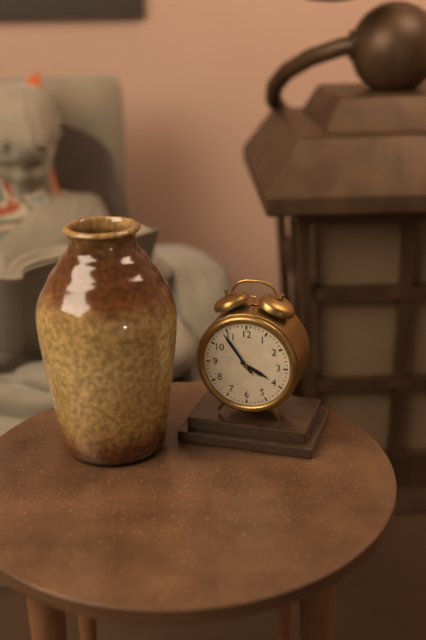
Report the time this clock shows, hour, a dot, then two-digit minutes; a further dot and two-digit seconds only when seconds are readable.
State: 3.54
